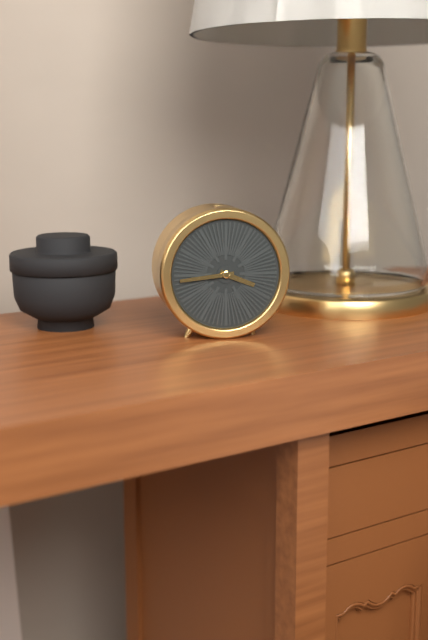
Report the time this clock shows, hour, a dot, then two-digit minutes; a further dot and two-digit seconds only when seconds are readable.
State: 3.44
